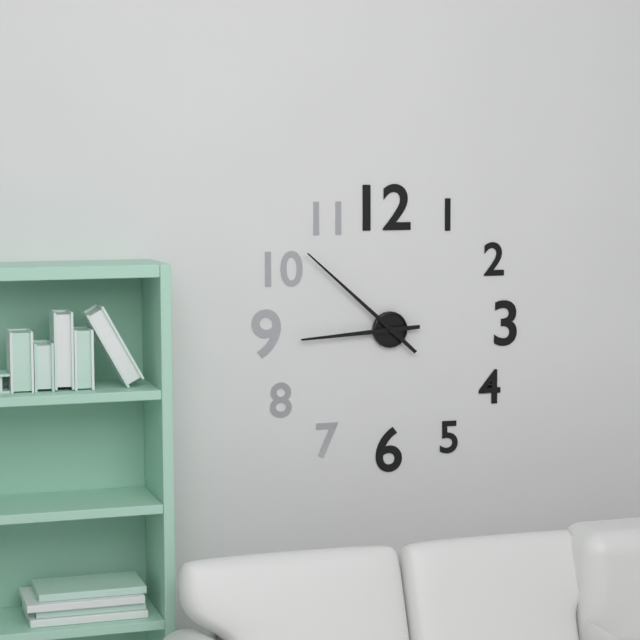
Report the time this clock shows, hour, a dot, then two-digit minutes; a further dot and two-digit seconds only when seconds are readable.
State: 8.52
